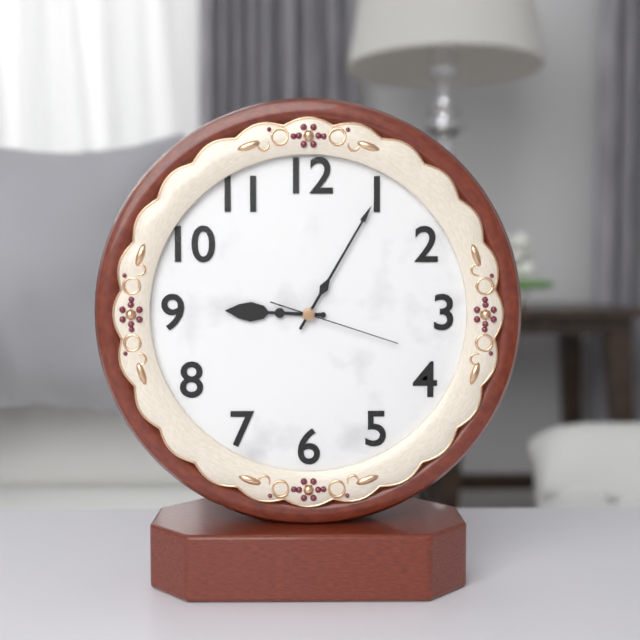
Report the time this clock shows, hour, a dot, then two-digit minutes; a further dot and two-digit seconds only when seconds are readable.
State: 9.05.18
